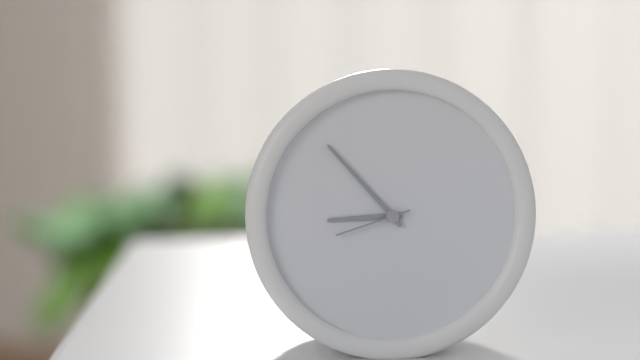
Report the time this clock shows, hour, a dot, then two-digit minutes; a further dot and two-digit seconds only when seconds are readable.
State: 8.53.42
